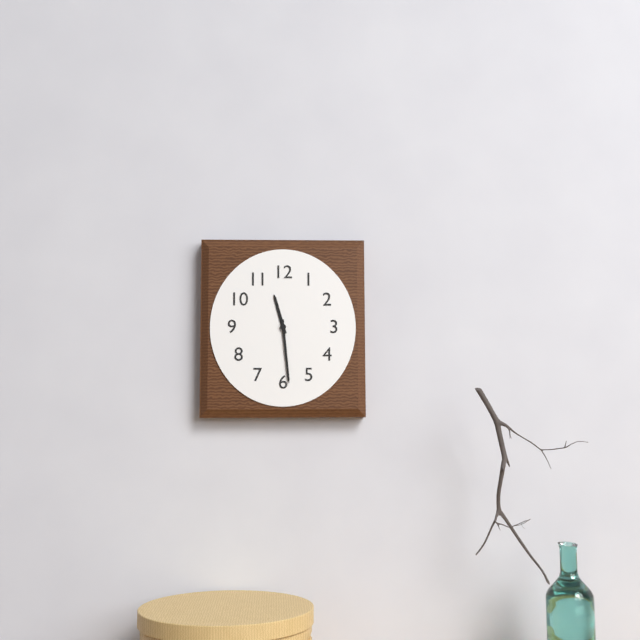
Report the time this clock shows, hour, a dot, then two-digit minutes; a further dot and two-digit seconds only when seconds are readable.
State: 11.29
